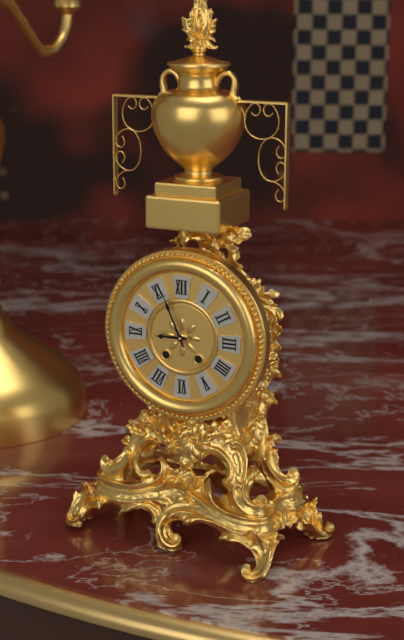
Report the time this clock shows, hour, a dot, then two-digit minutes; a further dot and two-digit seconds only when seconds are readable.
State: 8.56
